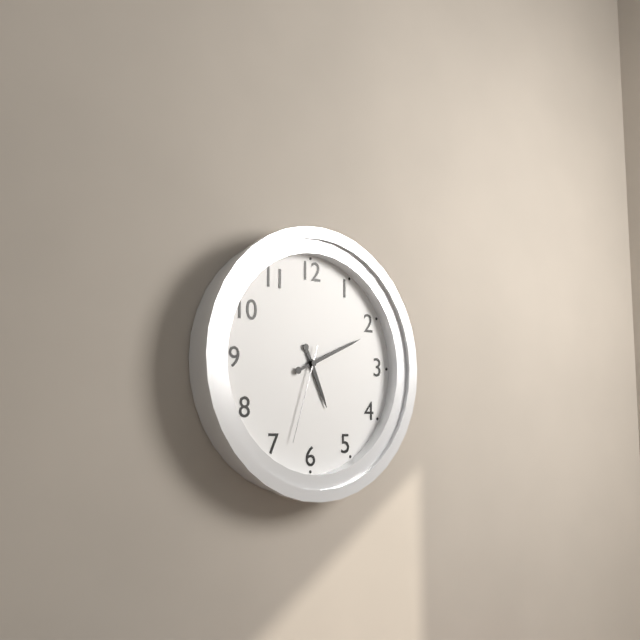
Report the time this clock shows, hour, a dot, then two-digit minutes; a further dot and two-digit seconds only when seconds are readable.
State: 5.11.33
